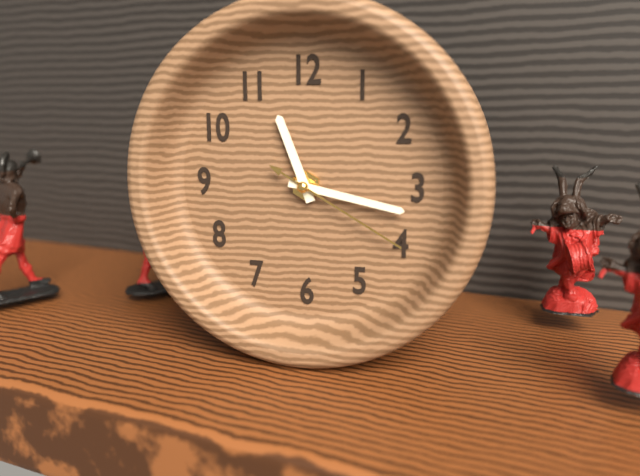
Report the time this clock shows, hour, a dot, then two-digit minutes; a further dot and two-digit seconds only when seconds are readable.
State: 11.17.20
